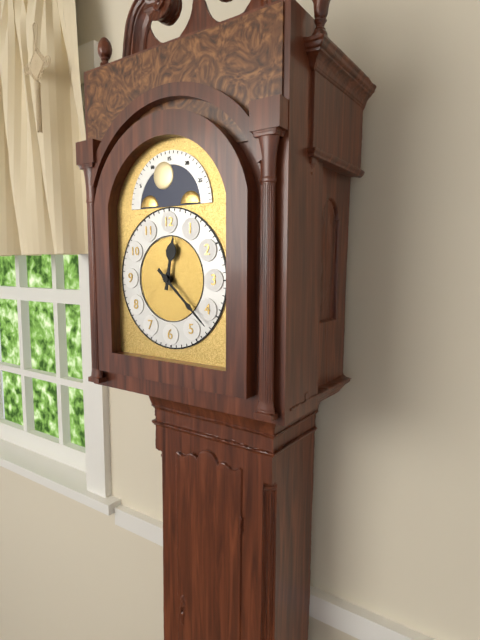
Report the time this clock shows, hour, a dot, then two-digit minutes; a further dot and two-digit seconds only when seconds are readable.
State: 12.22
